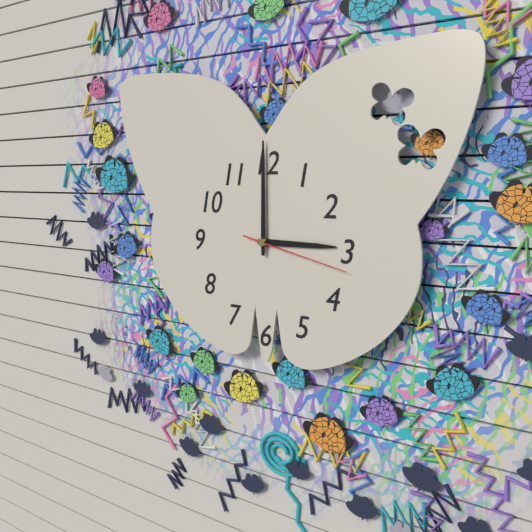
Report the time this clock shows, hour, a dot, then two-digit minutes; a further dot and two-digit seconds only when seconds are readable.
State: 3.00.17
